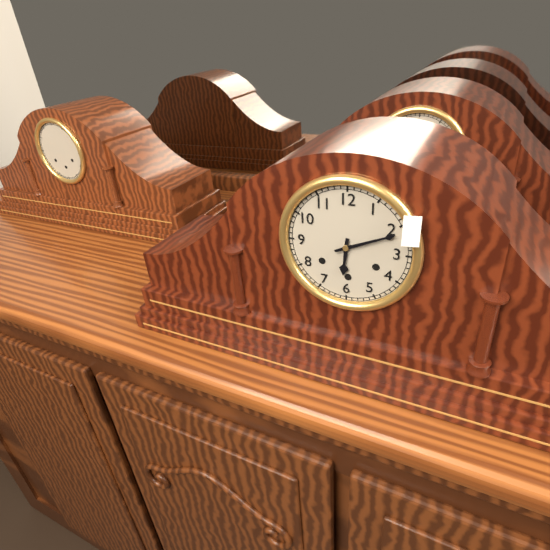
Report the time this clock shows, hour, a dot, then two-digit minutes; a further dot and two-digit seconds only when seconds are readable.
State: 6.11
